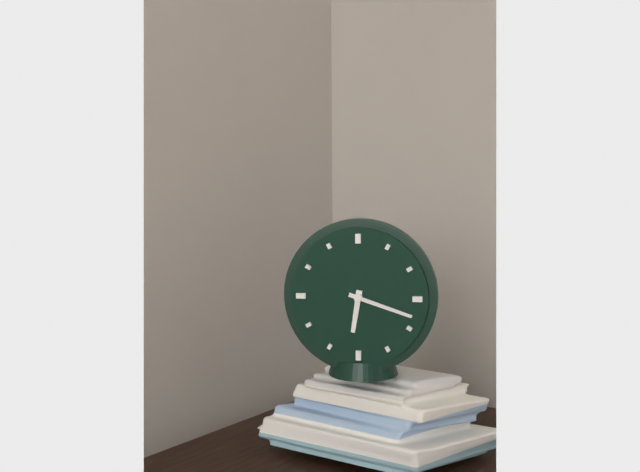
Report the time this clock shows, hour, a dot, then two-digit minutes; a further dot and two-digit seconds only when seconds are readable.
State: 6.18
